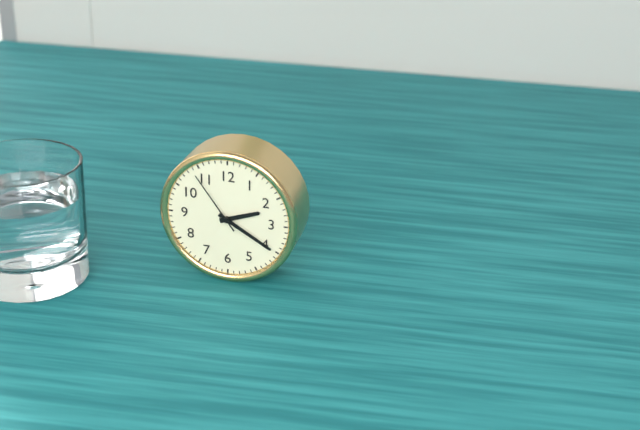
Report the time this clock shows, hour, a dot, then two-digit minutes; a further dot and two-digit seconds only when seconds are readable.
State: 2.20.54
